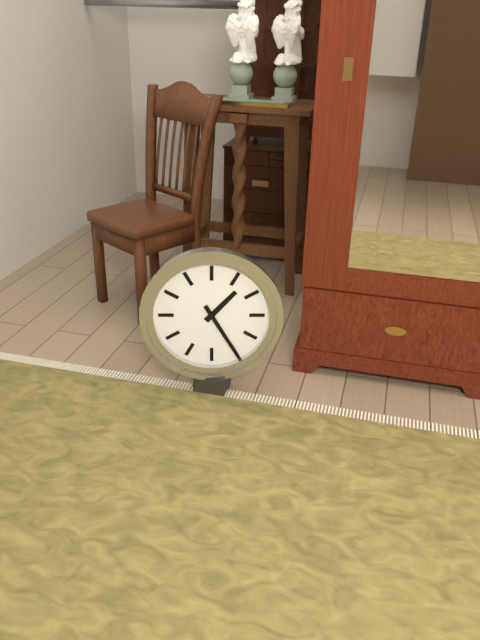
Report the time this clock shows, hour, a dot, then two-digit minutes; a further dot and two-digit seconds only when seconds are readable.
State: 1.25
